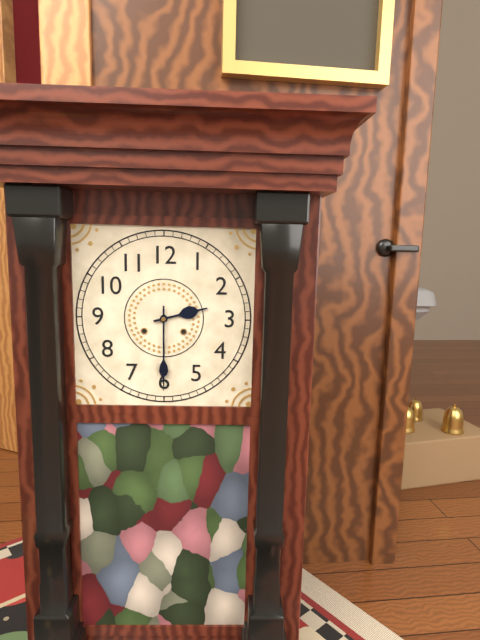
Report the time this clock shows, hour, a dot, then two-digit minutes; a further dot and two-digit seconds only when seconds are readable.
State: 2.30
